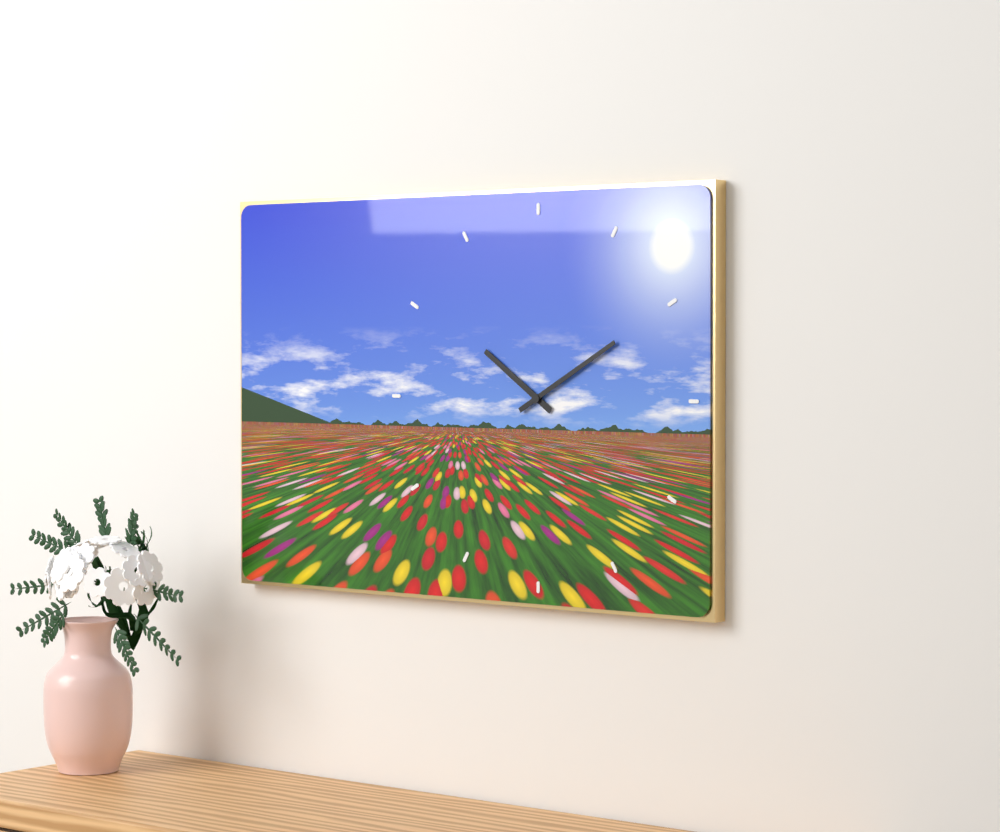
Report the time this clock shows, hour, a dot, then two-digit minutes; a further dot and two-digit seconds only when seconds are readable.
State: 10.10
